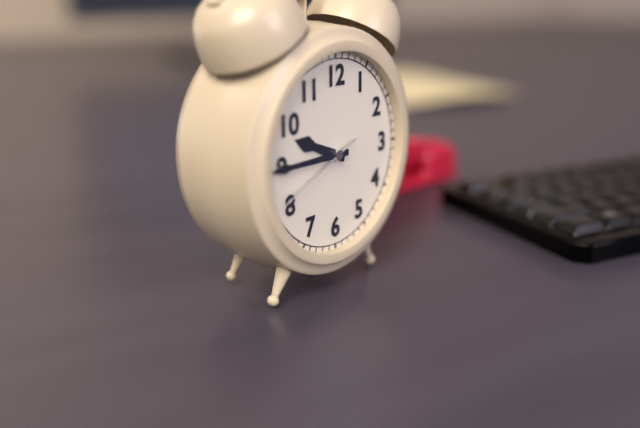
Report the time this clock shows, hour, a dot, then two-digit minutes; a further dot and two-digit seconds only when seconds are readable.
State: 9.45.41
